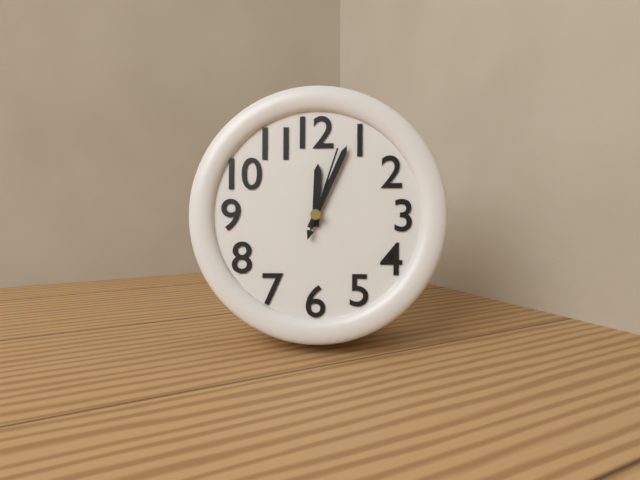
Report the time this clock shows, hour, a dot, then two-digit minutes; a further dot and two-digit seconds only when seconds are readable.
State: 12.04.03
